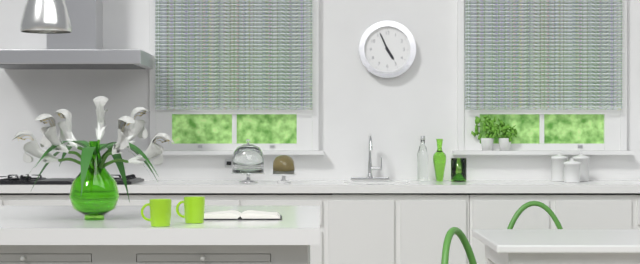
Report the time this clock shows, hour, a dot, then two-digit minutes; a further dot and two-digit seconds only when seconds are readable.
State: 4.56
